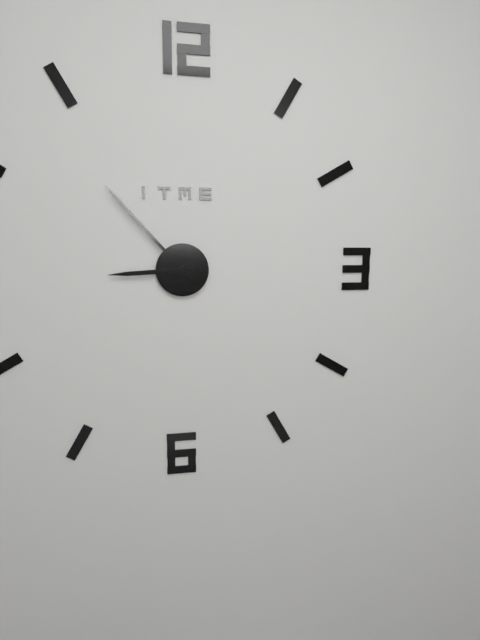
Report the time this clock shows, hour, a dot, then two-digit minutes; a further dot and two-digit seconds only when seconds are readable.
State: 8.53
